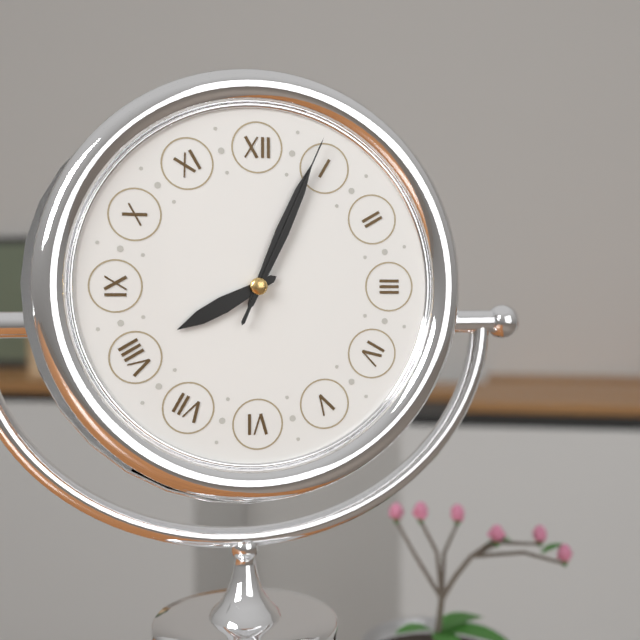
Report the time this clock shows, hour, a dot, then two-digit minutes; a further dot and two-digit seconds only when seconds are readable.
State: 8.04.04
